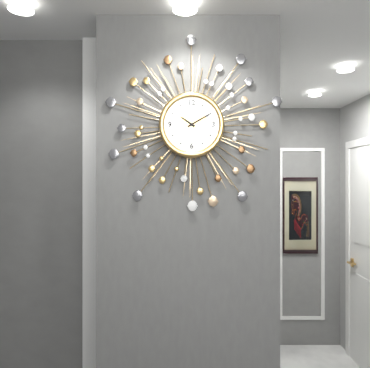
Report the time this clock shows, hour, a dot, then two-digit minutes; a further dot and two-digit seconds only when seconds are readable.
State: 10.10
